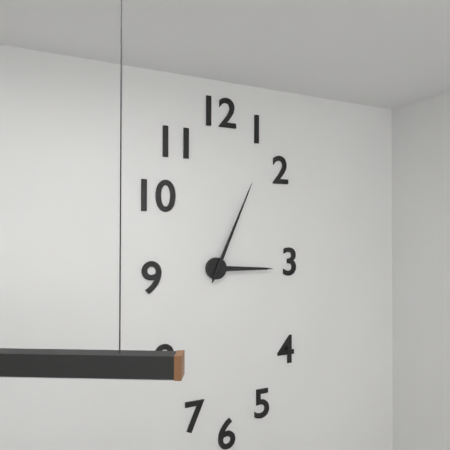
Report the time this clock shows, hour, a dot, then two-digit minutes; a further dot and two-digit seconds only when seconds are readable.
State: 3.04
